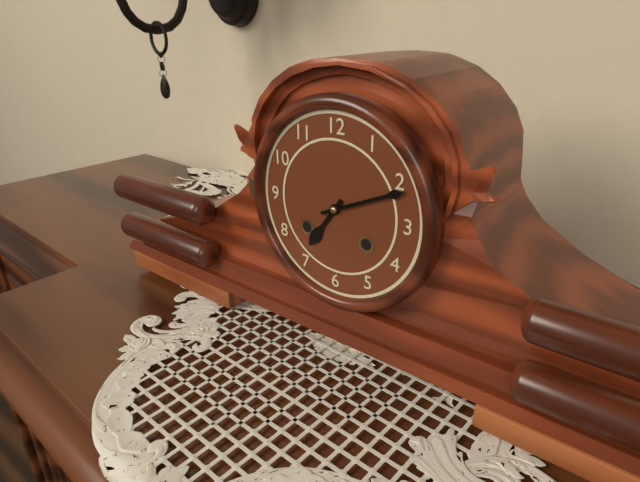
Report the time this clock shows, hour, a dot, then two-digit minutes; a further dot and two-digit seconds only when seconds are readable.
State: 7.11
